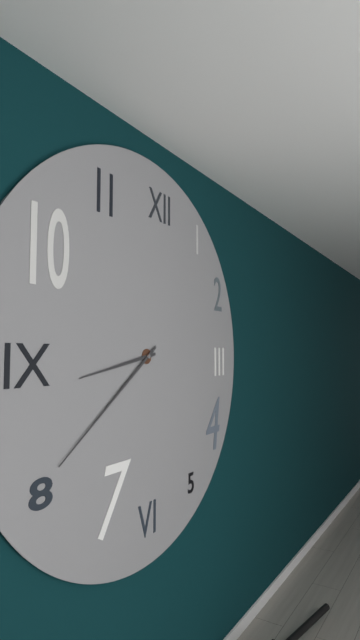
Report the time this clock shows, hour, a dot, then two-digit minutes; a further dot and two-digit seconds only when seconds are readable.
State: 8.39
